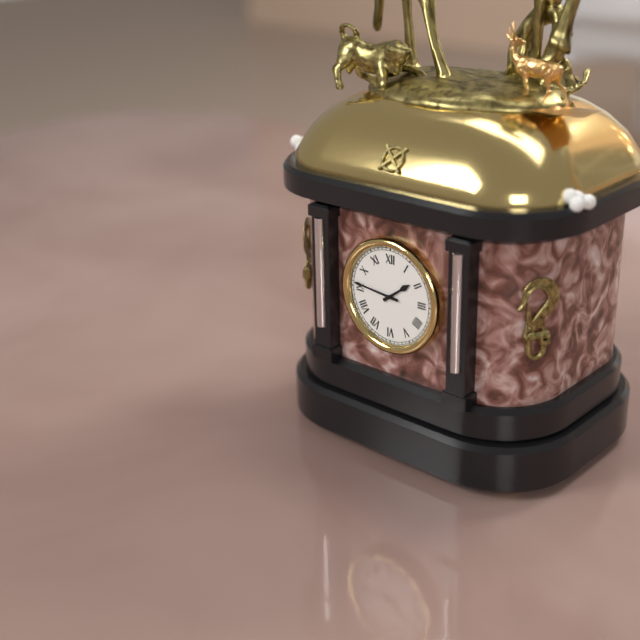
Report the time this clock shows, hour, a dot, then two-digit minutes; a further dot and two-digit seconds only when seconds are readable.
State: 1.46
